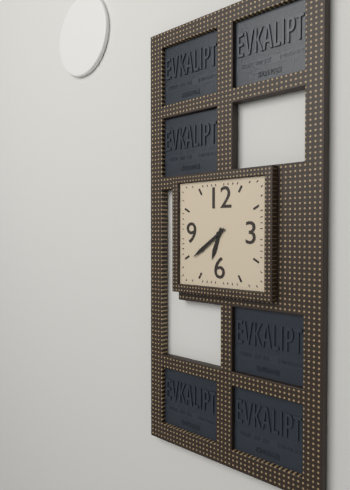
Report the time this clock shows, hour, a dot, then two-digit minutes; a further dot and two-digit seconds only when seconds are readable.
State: 6.39
